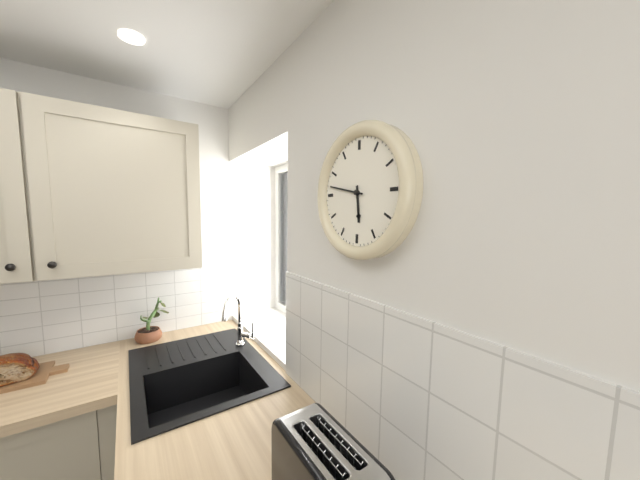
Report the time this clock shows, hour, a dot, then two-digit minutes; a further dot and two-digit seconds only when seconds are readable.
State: 5.47
